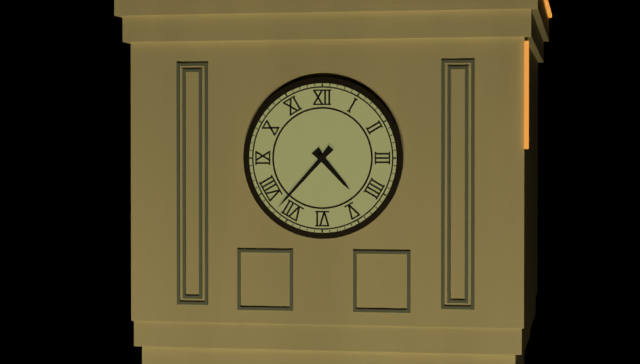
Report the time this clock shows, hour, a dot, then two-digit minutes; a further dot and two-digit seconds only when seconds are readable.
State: 4.37
